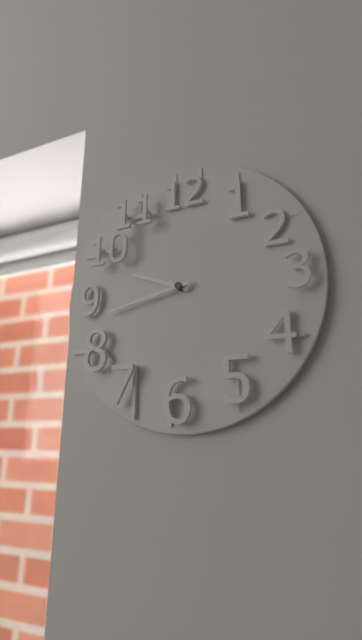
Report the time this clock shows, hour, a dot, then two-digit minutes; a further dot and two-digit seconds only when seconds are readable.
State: 9.43
